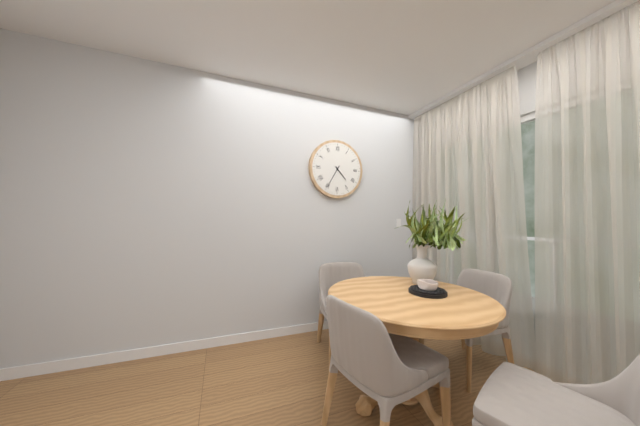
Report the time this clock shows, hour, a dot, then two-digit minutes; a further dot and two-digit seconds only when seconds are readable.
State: 4.35
